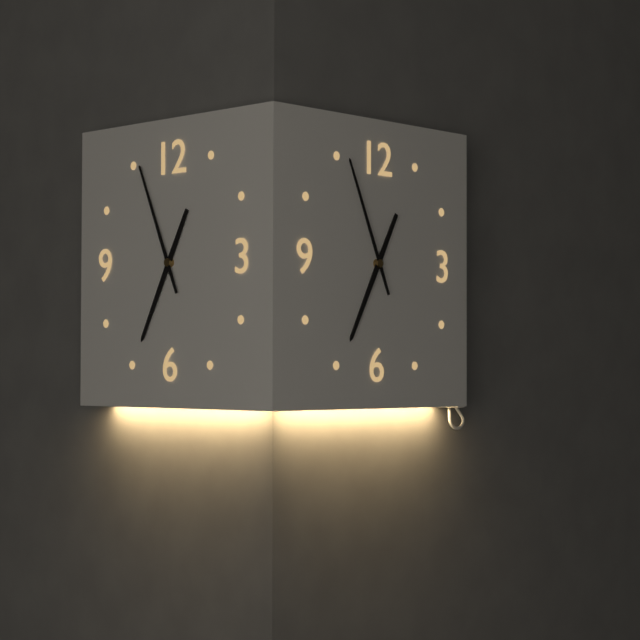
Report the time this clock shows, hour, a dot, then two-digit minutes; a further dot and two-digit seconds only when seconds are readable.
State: 6.56
